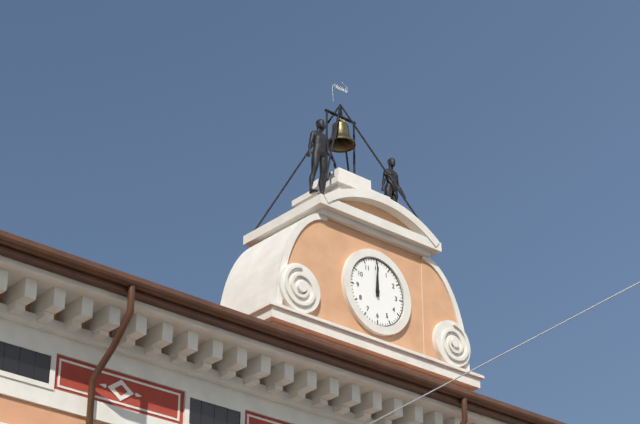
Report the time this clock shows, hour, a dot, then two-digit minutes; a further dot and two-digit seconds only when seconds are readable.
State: 12.00
